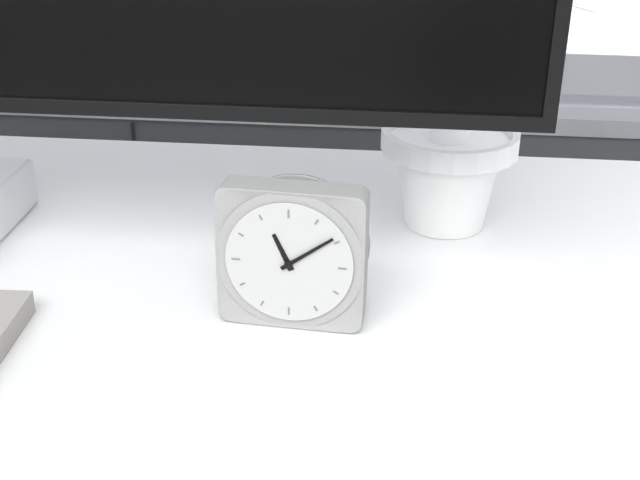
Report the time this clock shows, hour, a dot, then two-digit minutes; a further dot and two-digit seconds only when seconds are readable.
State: 11.09
